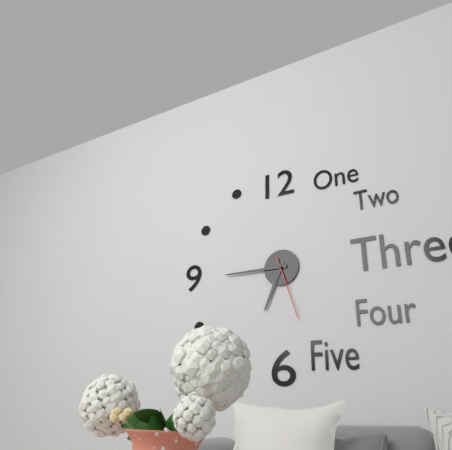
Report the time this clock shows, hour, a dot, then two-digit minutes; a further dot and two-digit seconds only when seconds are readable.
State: 6.45.27
